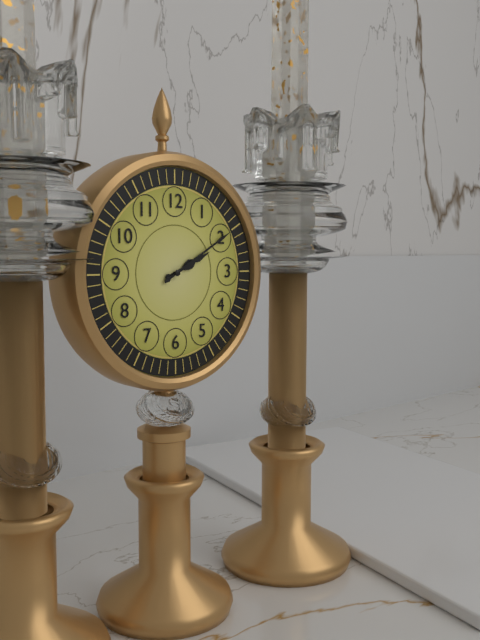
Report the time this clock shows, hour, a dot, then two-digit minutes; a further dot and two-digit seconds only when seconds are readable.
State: 2.10
